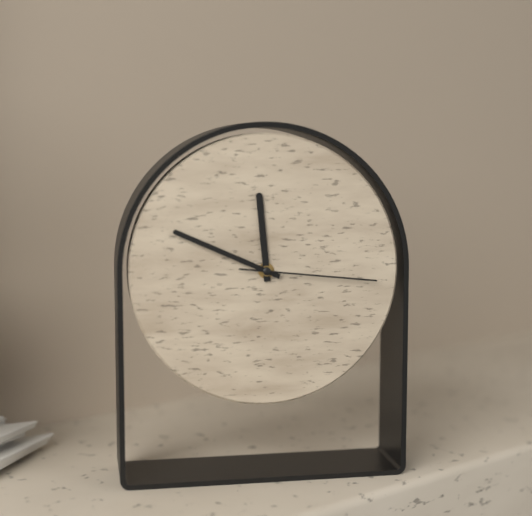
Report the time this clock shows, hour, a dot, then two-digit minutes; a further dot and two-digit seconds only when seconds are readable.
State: 11.49.16
